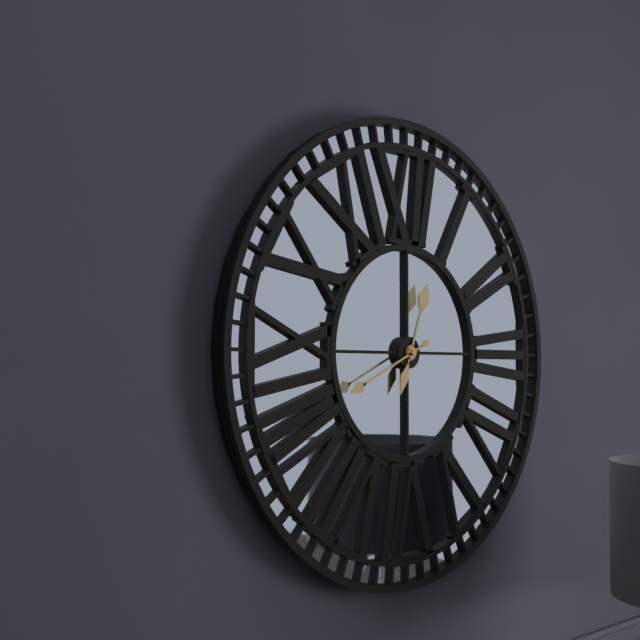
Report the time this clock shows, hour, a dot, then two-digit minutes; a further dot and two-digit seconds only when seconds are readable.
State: 12.41
